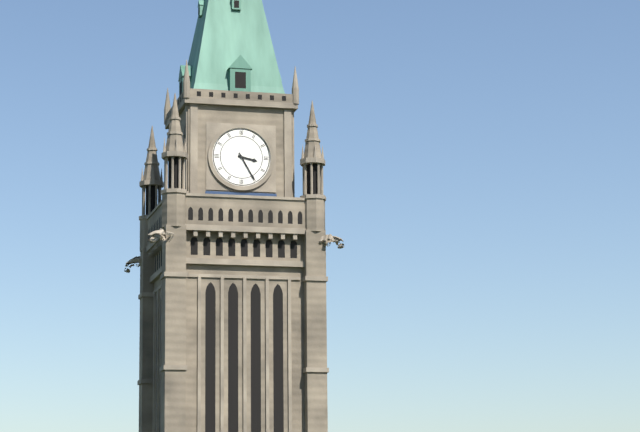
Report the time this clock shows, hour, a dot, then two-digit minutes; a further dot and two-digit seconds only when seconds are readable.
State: 3.25
